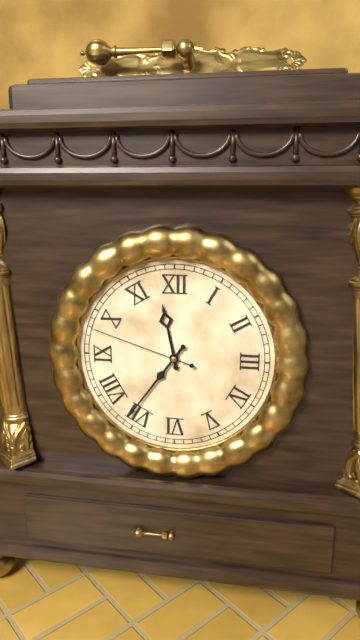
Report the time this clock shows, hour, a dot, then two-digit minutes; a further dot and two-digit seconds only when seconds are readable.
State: 11.36.48
